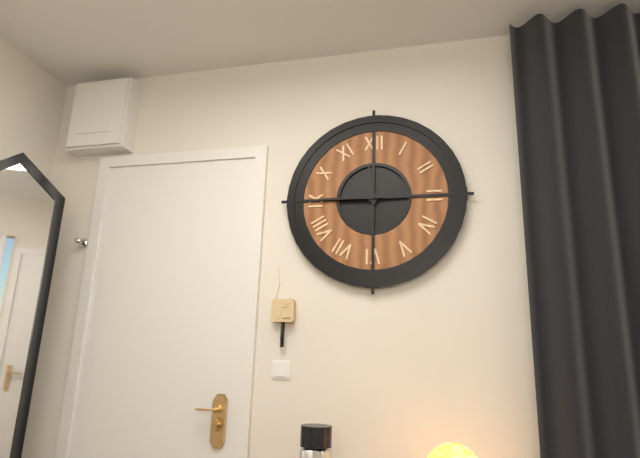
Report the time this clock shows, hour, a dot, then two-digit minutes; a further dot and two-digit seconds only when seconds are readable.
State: 11.45
